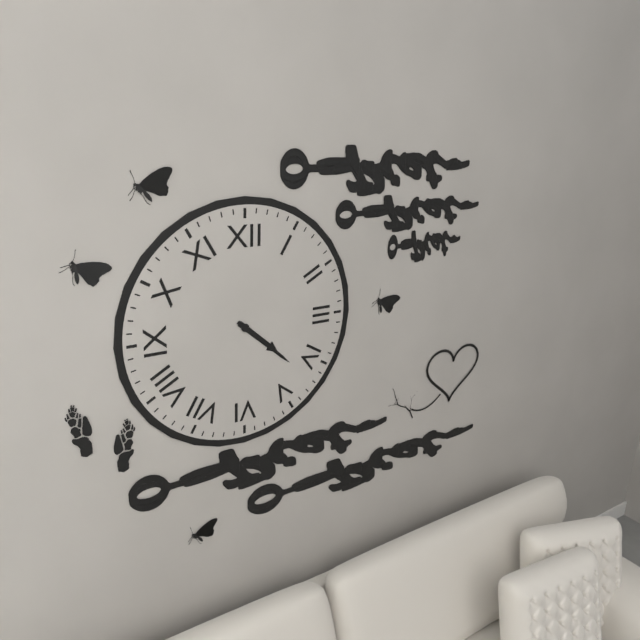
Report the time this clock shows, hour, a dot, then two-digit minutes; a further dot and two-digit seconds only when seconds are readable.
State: 4.22
